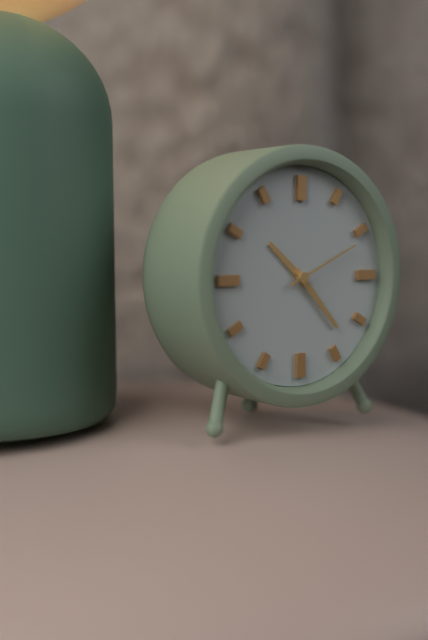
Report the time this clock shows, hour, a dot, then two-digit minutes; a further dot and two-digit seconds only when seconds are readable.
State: 10.23.11
